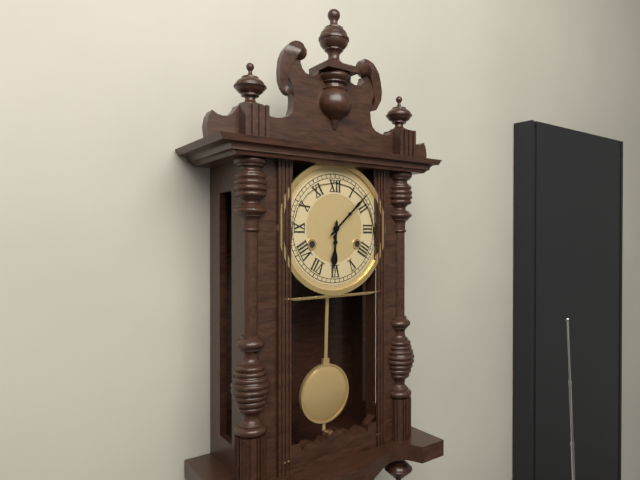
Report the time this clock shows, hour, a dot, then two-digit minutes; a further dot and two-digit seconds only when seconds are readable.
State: 6.08
